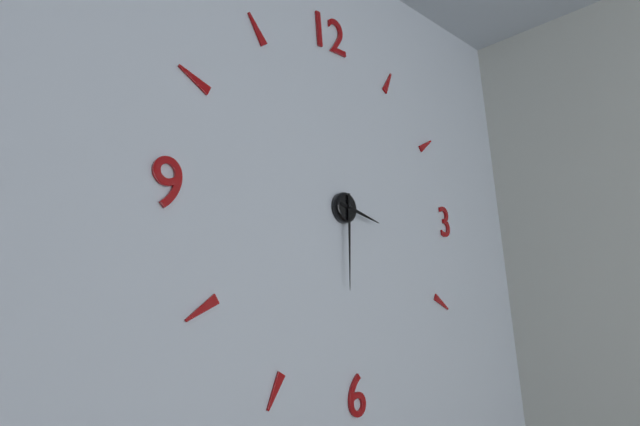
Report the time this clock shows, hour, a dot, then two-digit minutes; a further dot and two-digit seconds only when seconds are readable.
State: 3.31
